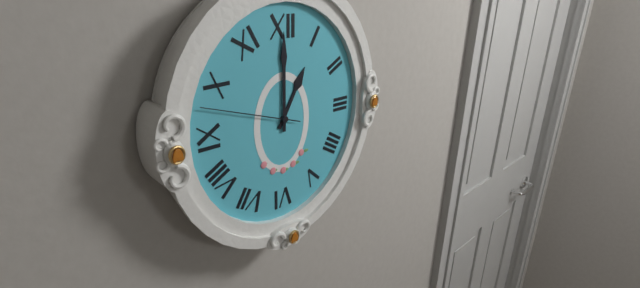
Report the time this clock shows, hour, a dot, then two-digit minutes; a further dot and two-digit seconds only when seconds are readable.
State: 1.00.48
